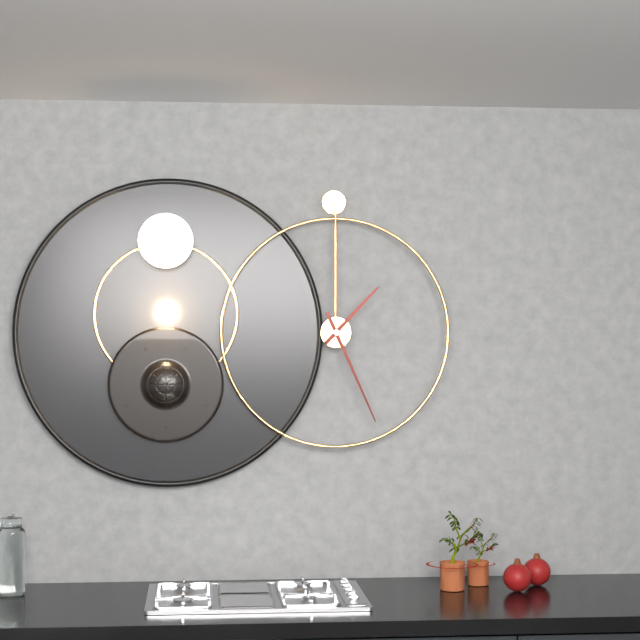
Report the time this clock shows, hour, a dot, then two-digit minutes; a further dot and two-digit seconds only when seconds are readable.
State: 1.26
